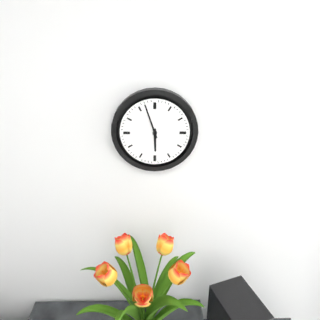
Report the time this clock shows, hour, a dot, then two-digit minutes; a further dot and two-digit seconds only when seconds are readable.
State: 5.57
